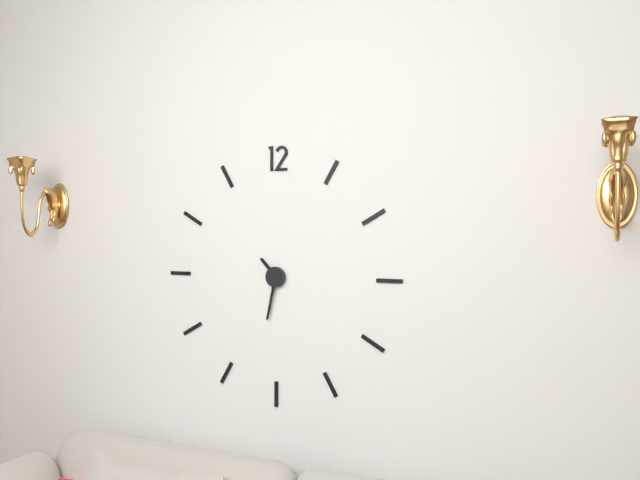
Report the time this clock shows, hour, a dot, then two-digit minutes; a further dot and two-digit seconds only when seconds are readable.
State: 10.32
